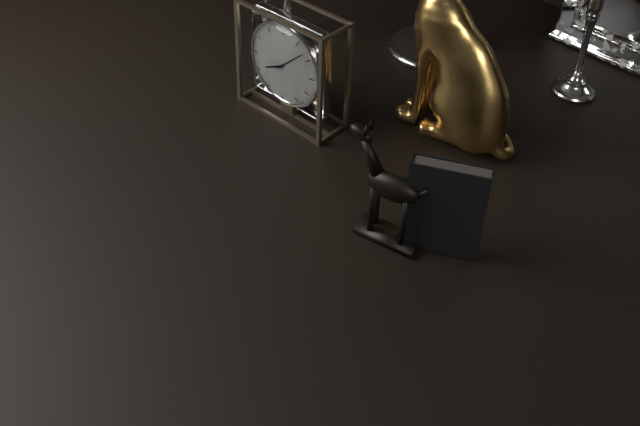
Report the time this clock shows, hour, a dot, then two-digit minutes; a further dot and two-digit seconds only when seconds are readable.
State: 8.08
